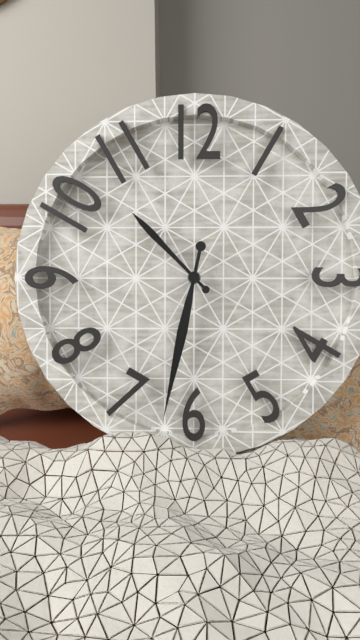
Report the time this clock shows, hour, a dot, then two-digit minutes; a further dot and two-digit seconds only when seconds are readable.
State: 10.32
